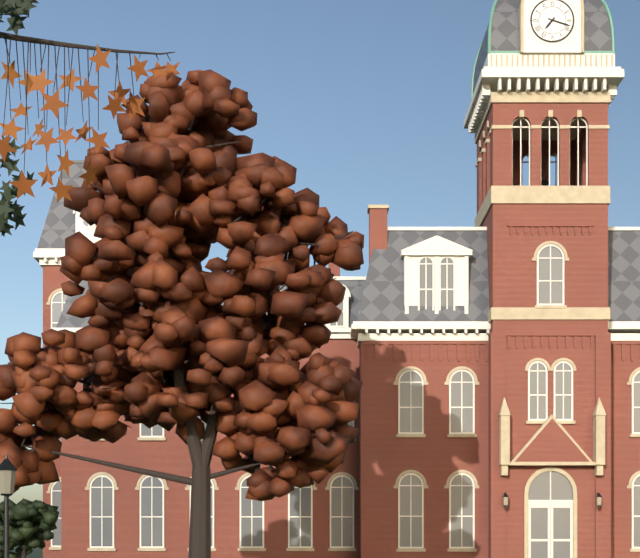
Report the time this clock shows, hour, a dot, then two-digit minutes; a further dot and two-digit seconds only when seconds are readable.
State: 7.18
